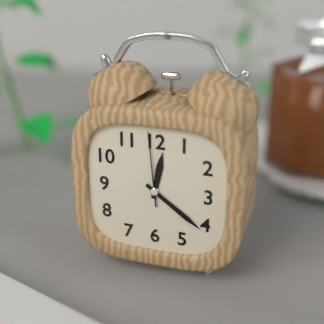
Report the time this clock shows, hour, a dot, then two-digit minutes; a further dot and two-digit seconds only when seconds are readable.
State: 12.21.59
